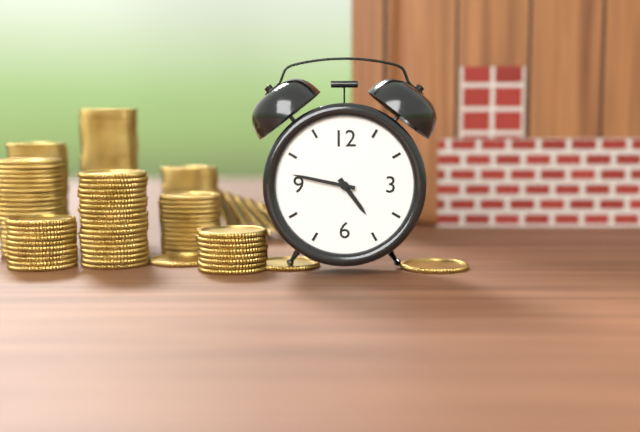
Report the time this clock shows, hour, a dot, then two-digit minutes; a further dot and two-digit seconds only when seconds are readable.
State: 4.47
